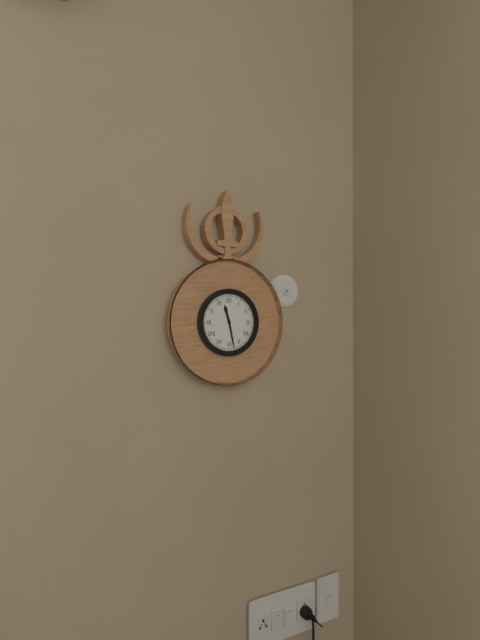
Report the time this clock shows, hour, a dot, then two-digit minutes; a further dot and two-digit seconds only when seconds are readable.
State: 11.28
